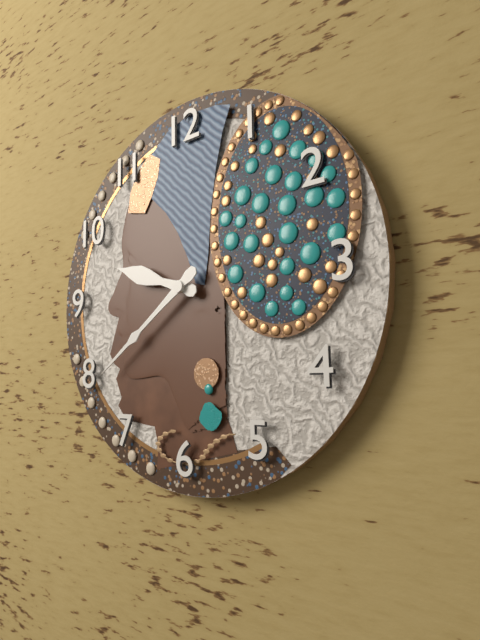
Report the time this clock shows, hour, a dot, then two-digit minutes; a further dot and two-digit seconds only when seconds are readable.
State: 9.39
